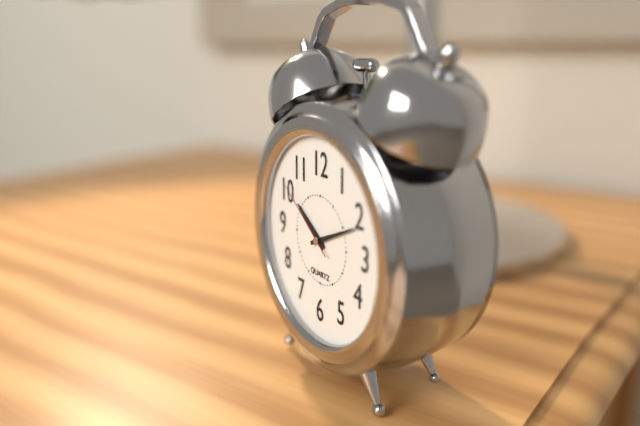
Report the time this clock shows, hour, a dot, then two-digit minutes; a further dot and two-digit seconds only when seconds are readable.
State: 10.11.51
